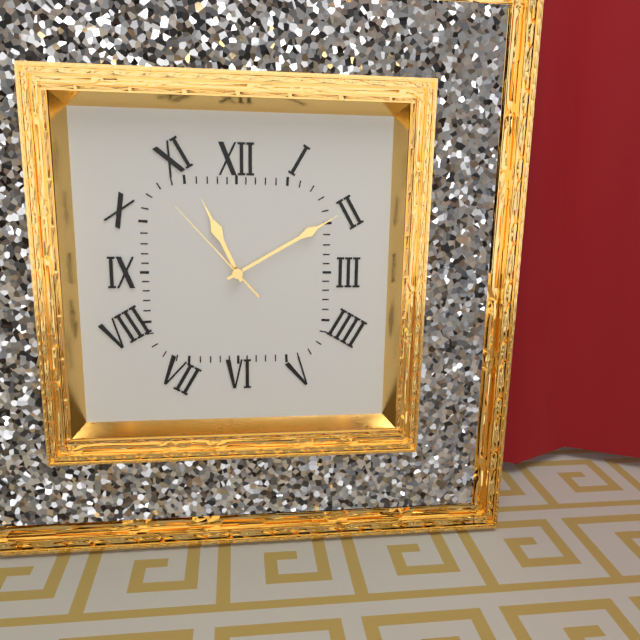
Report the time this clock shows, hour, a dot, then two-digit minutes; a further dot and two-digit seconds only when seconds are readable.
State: 11.10.53
